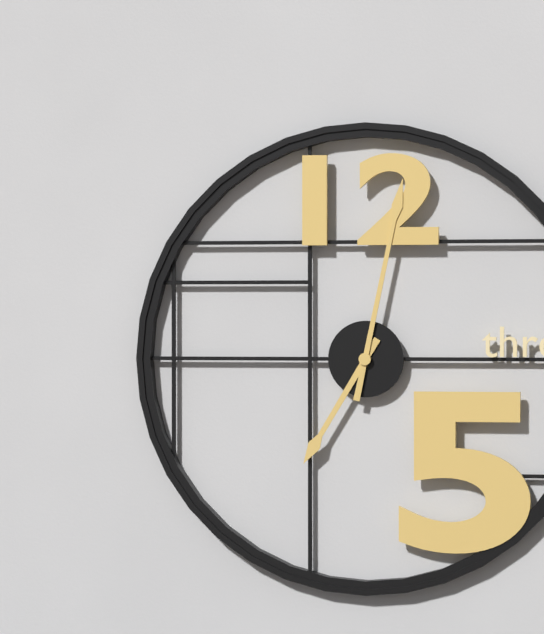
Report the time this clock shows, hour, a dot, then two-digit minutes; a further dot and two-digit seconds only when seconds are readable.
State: 7.02
